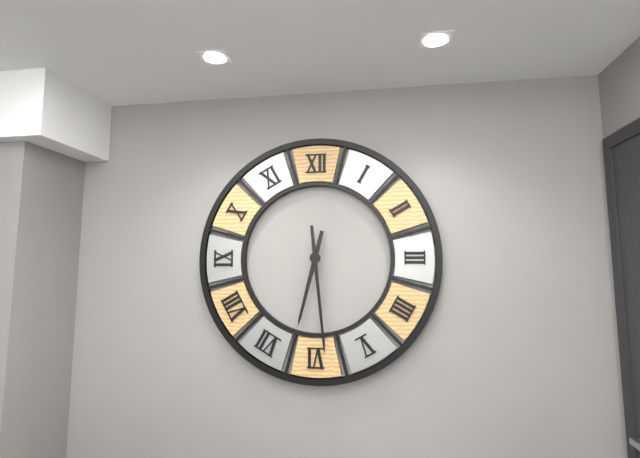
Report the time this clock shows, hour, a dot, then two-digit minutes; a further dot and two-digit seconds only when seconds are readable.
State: 6.29
